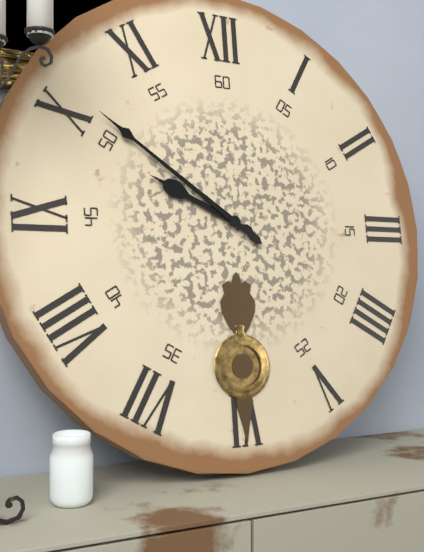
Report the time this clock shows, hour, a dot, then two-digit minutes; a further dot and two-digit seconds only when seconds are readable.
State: 9.51
